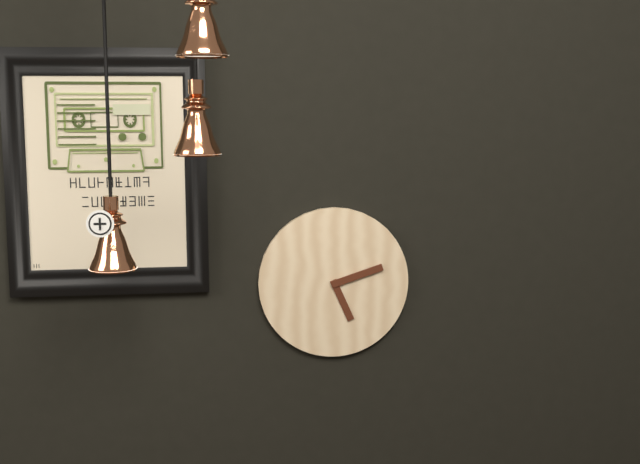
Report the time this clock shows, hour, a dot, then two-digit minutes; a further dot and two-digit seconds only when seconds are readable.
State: 5.12
